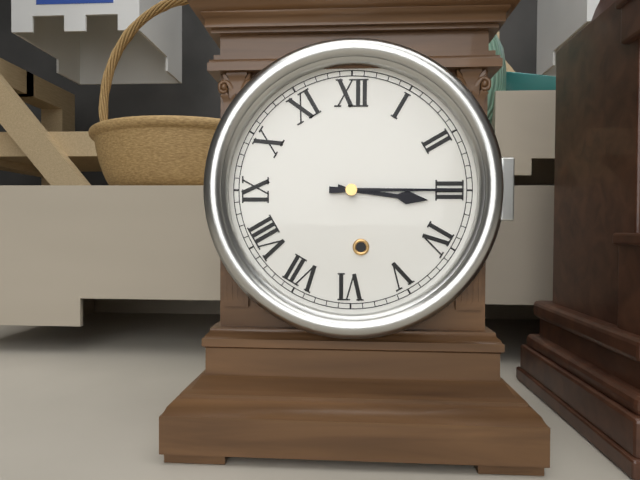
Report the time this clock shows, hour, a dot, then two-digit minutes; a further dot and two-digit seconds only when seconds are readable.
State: 3.15
